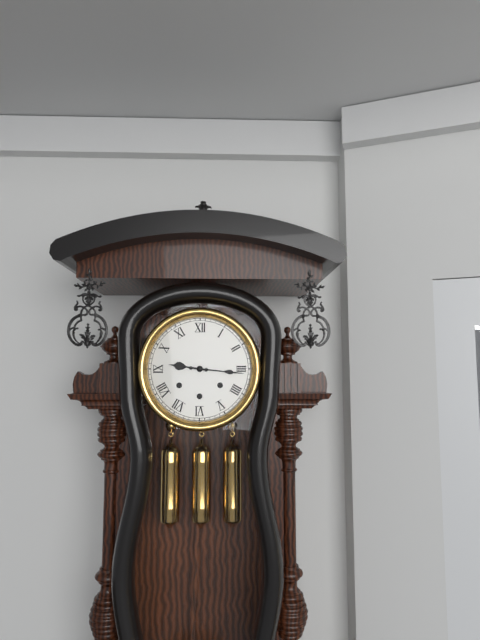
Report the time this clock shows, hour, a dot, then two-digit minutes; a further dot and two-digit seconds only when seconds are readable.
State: 9.16
